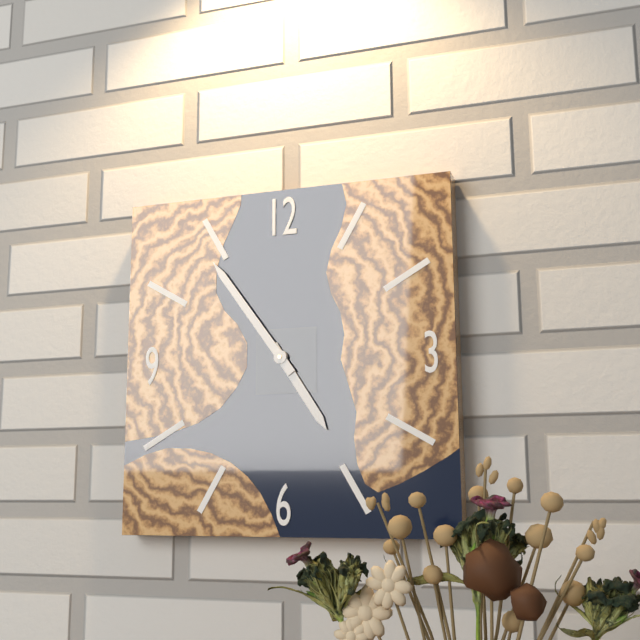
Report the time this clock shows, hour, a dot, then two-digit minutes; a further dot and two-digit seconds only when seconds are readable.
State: 4.54
